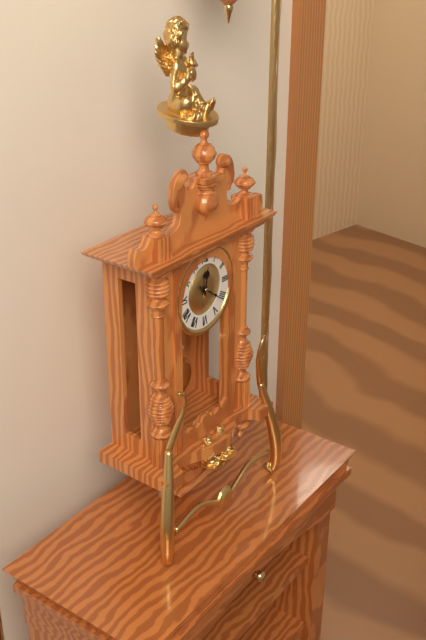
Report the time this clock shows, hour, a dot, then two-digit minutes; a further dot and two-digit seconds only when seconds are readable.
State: 12.21
